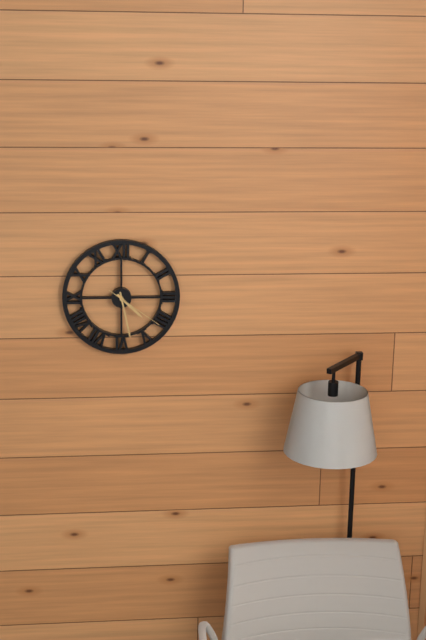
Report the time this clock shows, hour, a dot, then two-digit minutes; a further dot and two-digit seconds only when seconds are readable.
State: 4.28.21
